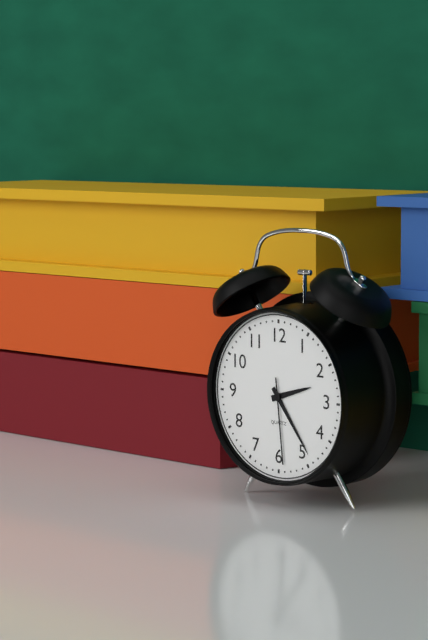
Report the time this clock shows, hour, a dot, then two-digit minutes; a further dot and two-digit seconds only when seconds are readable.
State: 2.24.29
